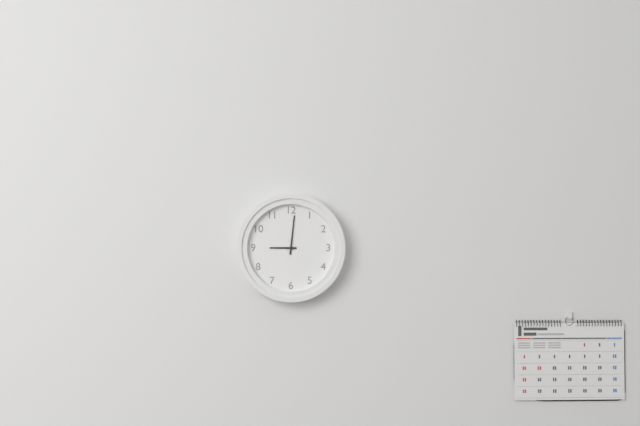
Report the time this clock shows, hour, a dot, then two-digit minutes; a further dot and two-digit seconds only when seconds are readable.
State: 9.01
